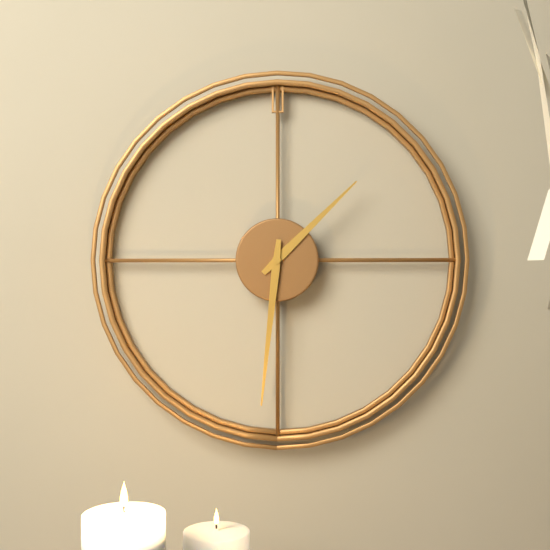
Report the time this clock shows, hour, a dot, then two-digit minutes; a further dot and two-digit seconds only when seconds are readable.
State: 1.31
